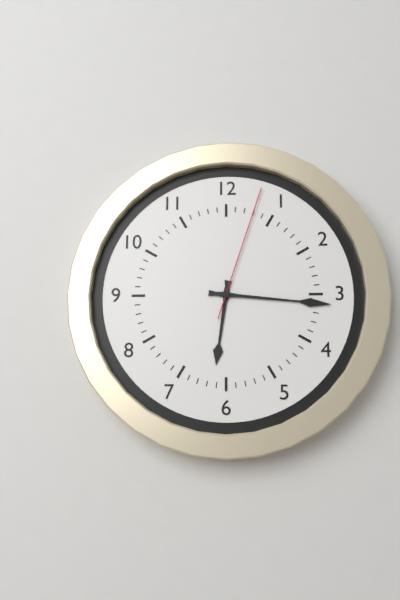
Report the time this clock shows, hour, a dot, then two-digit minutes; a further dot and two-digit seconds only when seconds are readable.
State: 6.16.03
